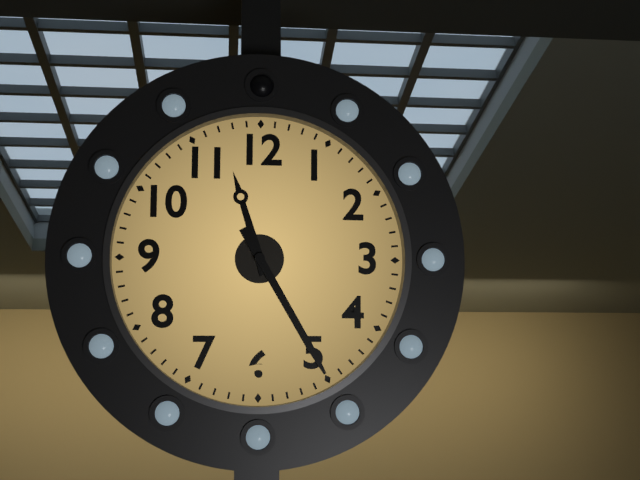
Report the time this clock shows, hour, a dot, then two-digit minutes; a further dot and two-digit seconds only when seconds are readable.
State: 11.25
